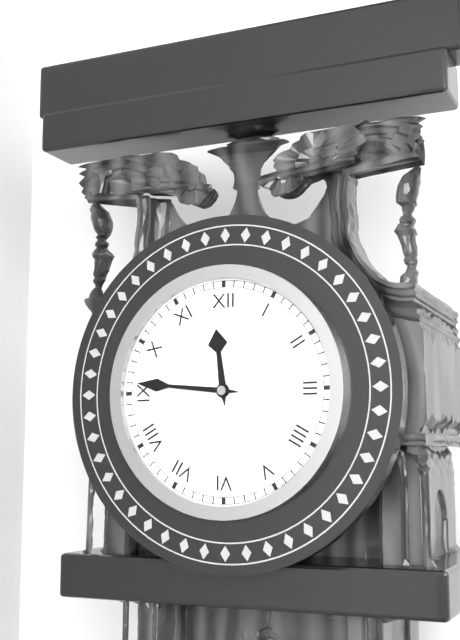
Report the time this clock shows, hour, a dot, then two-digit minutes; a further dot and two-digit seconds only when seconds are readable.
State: 11.46
